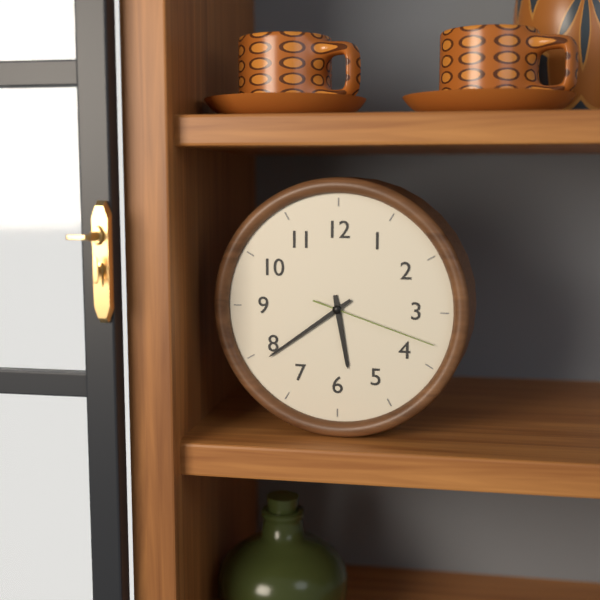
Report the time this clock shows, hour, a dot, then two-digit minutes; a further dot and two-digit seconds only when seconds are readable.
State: 5.39.18
